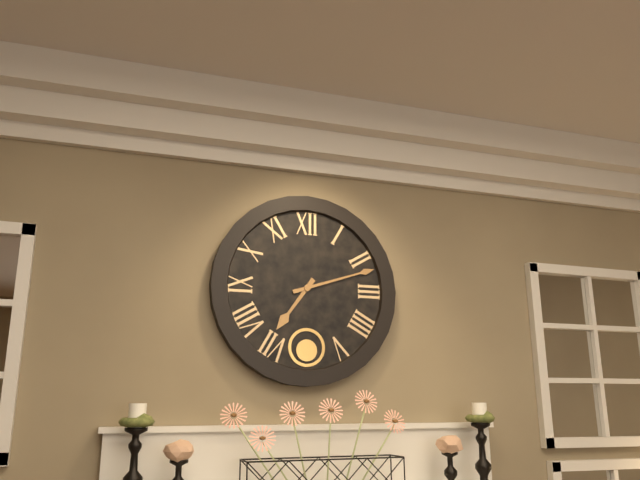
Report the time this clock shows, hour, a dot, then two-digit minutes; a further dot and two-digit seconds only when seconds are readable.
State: 7.12
